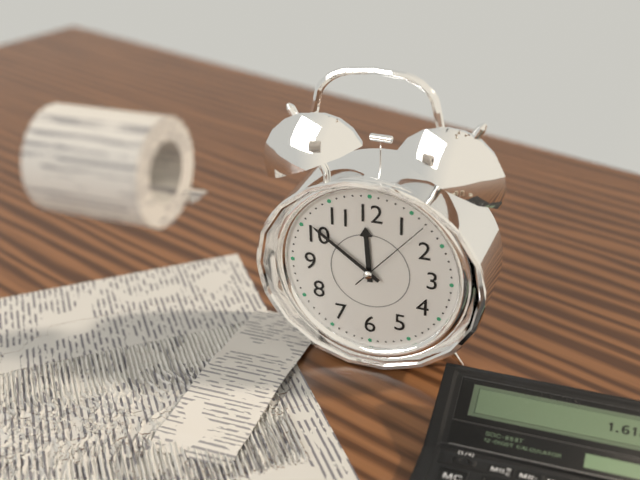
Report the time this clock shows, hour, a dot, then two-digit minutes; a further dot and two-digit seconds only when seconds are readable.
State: 11.51.07
